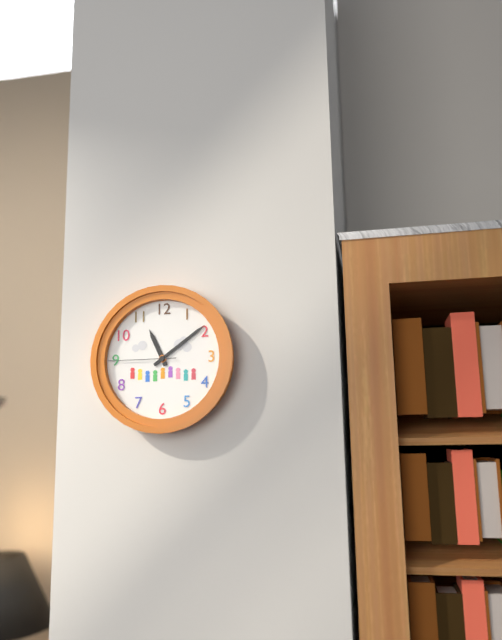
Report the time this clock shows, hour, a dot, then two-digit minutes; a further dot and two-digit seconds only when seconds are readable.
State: 11.09.45
